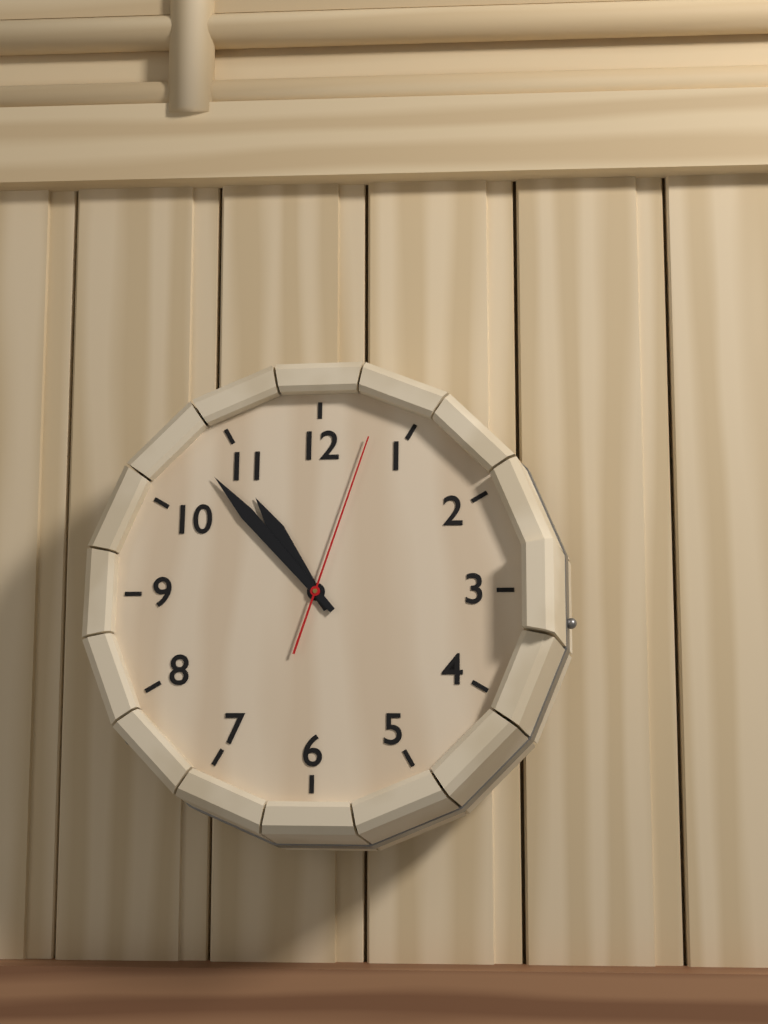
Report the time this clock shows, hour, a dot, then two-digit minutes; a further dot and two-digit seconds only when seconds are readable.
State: 10.53.03
